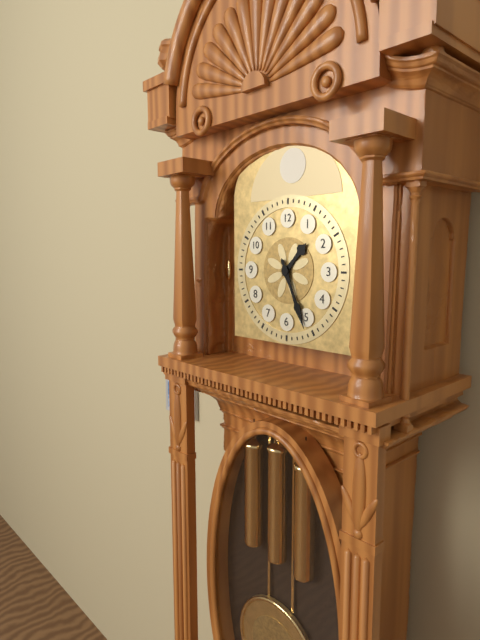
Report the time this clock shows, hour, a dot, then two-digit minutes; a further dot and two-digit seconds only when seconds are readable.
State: 1.26
